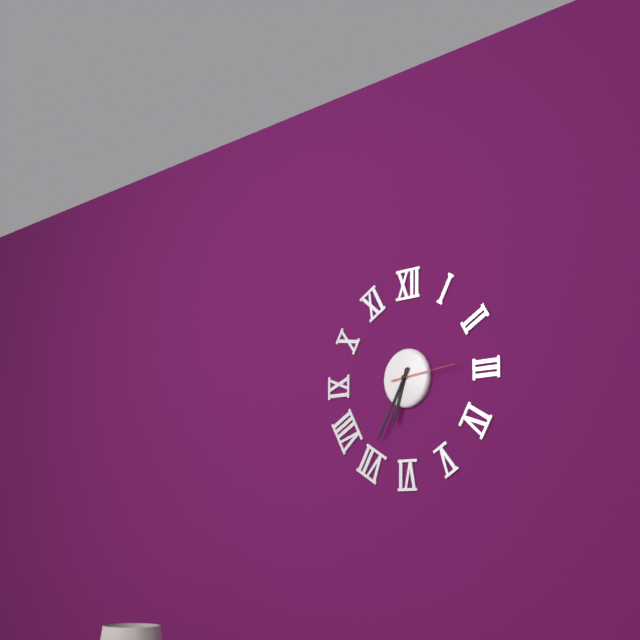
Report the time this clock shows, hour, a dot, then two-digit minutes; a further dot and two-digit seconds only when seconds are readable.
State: 6.35.14
